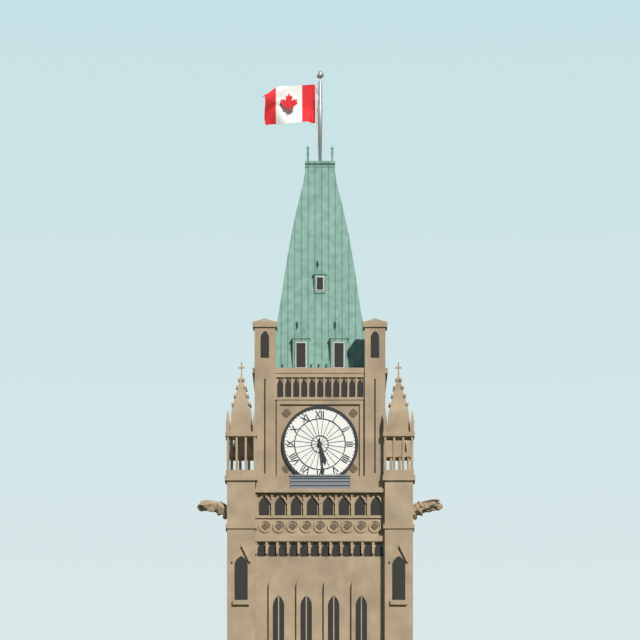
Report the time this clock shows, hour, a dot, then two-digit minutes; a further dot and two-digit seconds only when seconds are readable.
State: 5.29
